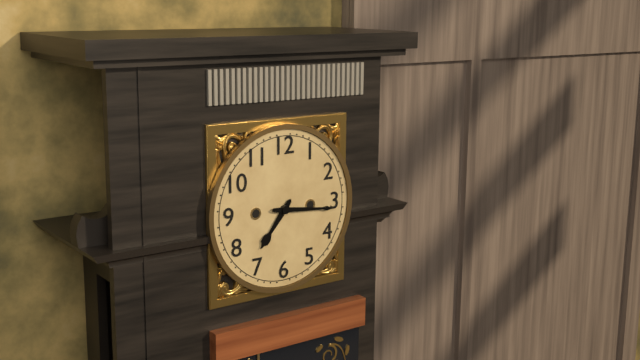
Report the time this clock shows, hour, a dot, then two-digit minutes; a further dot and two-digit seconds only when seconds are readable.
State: 7.16
